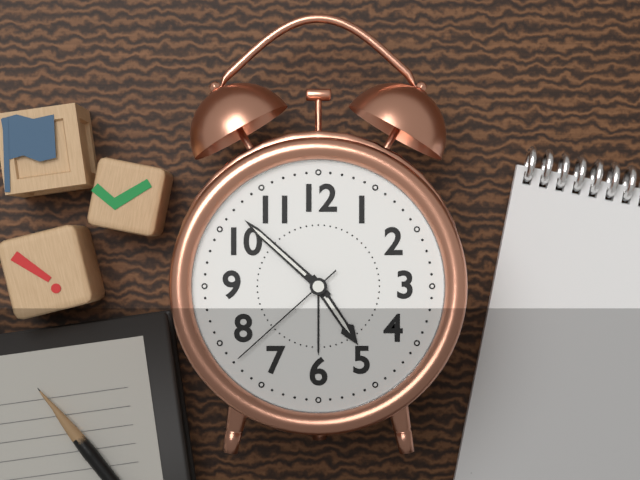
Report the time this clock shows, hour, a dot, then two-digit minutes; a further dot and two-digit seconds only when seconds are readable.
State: 4.52.38
